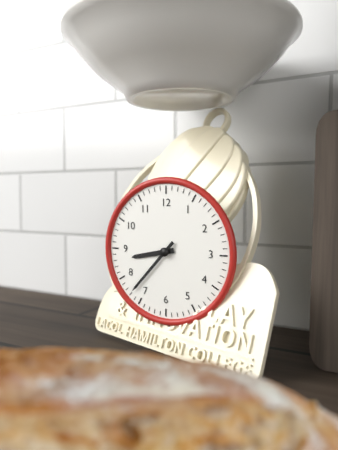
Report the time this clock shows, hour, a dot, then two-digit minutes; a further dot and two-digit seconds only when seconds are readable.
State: 8.37
